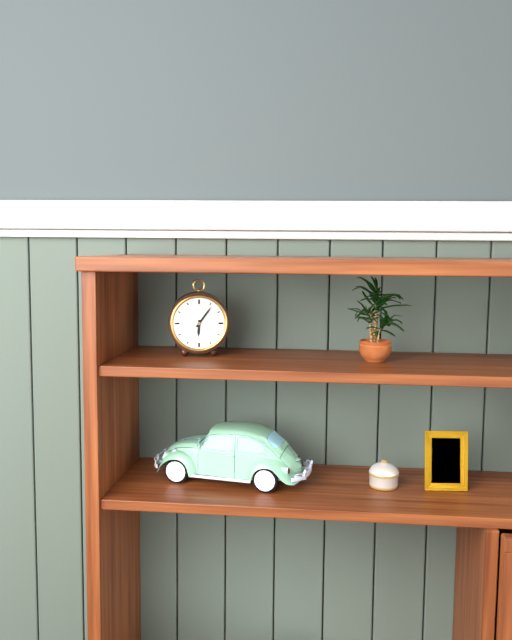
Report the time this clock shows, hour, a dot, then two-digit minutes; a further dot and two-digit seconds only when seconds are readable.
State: 6.06
